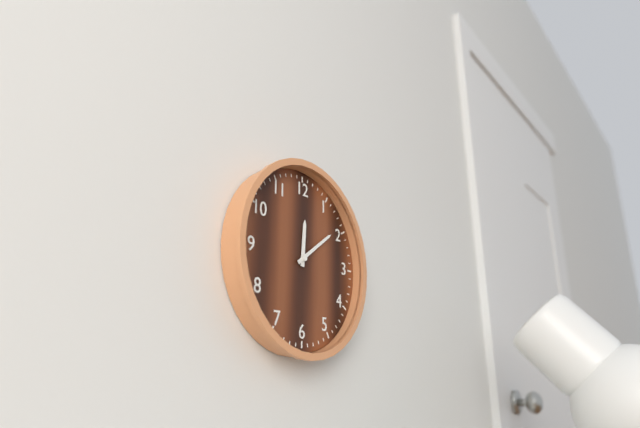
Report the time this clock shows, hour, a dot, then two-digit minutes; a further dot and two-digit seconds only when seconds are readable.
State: 12.09
